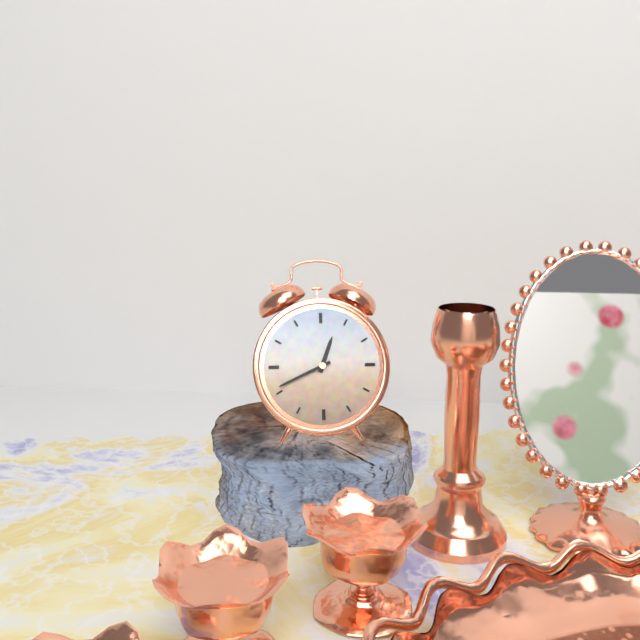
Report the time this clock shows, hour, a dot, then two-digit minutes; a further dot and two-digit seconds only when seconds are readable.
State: 12.41
